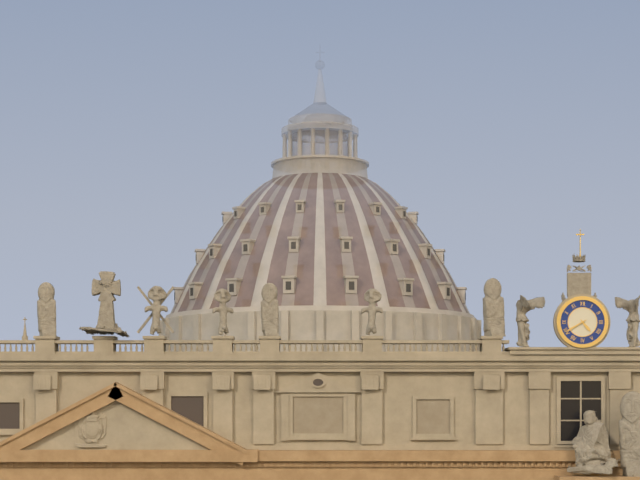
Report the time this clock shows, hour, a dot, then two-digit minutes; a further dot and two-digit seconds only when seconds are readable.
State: 4.40
